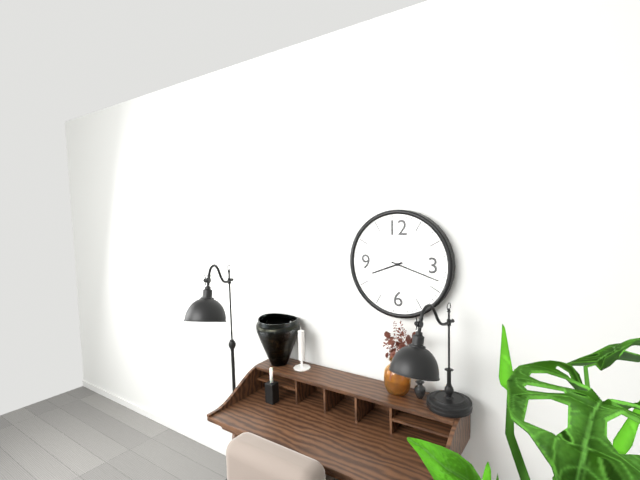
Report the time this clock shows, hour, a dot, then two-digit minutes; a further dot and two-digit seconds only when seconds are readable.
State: 8.18
